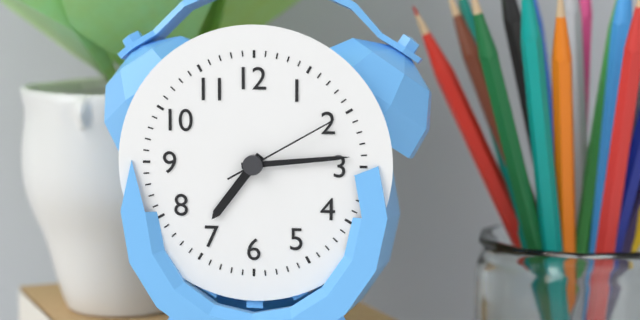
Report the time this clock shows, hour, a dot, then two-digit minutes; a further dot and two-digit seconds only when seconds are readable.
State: 7.14.10
